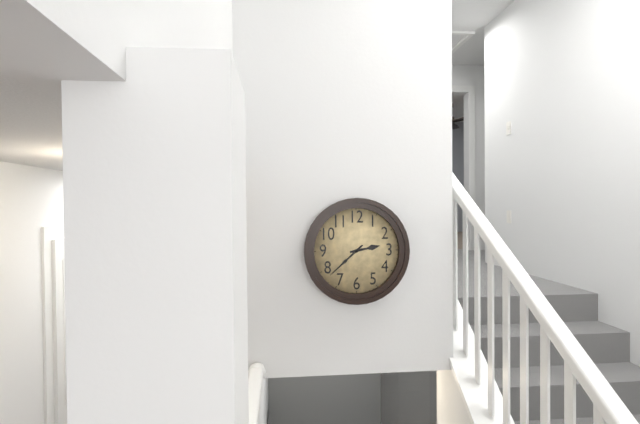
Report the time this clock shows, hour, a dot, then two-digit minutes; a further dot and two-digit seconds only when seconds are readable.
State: 2.38
